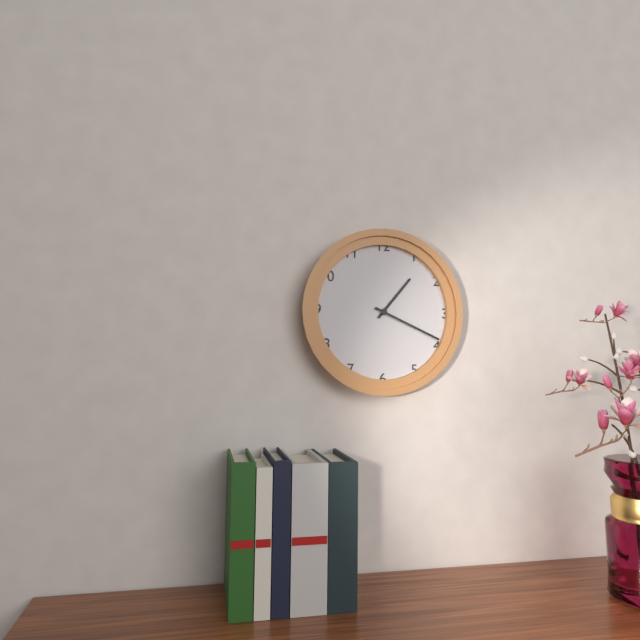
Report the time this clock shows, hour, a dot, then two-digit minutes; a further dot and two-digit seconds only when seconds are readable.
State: 1.19
